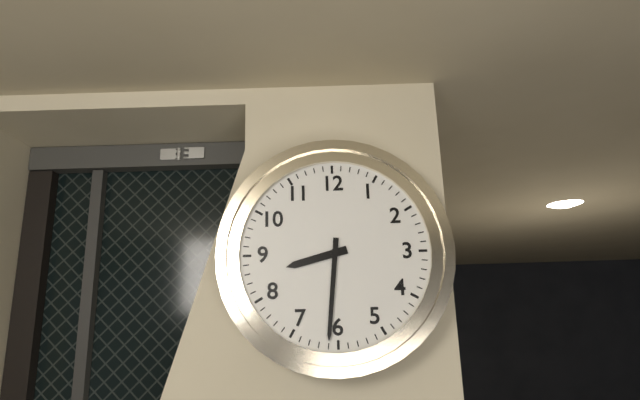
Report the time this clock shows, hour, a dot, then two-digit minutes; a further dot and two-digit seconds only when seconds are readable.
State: 8.31
